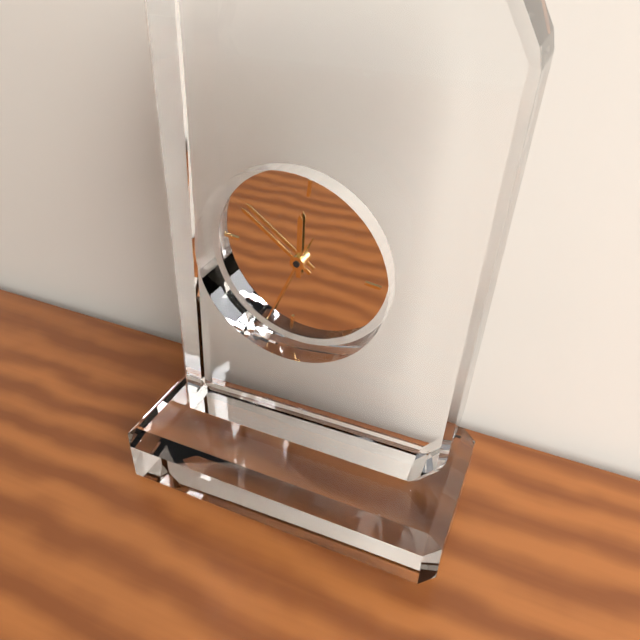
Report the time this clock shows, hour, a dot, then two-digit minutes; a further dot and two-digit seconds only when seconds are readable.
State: 11.50.33
